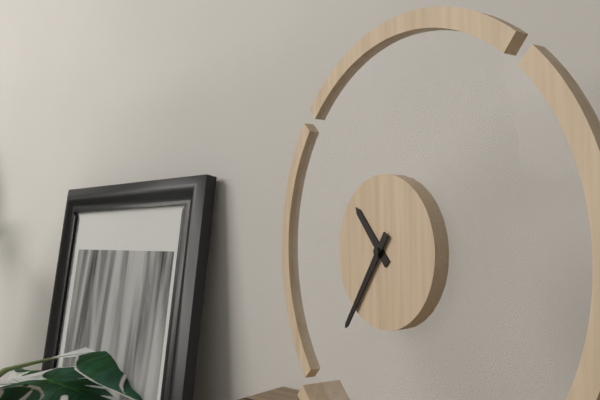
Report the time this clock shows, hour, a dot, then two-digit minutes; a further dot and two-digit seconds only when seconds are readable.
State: 10.36
